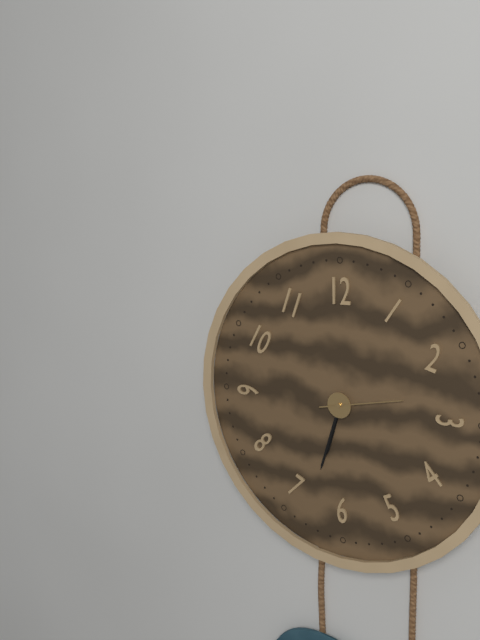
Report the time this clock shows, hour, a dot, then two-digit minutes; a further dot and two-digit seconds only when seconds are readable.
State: 6.33.13
